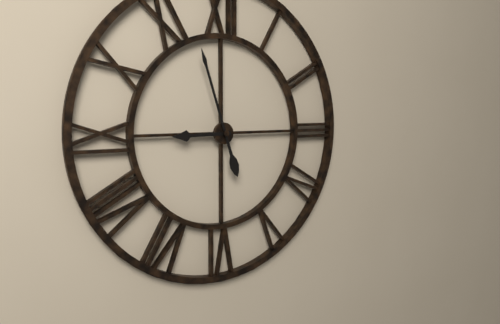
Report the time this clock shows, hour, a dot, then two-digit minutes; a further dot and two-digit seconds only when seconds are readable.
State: 8.57
